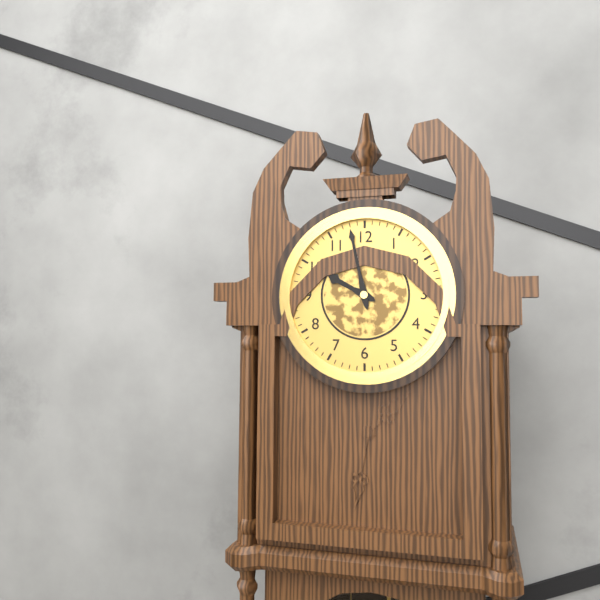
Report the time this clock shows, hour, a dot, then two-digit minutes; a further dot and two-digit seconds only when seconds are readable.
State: 9.58
